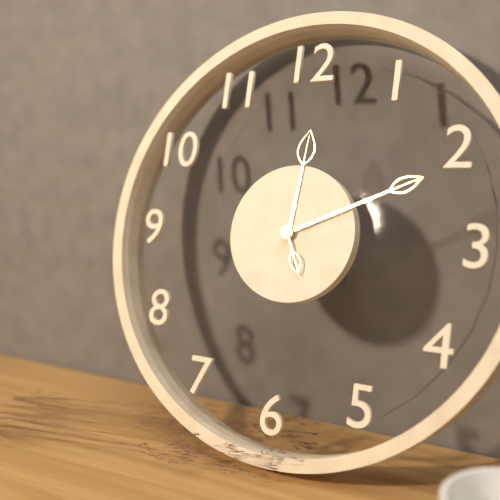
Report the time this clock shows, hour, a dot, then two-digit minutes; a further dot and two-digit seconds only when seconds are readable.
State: 12.11.26
